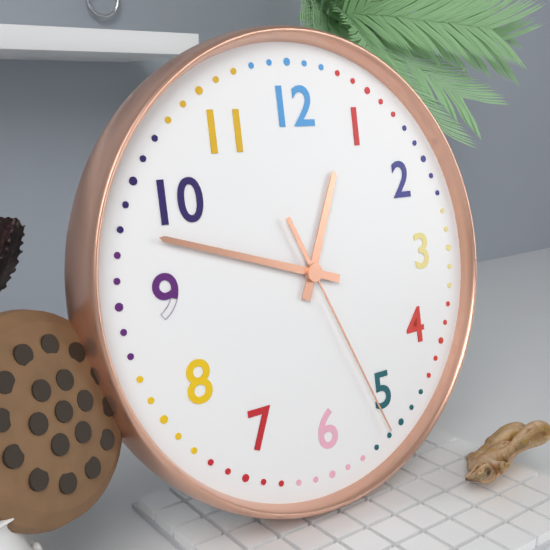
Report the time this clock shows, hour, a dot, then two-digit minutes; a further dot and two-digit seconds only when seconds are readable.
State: 12.48.26
